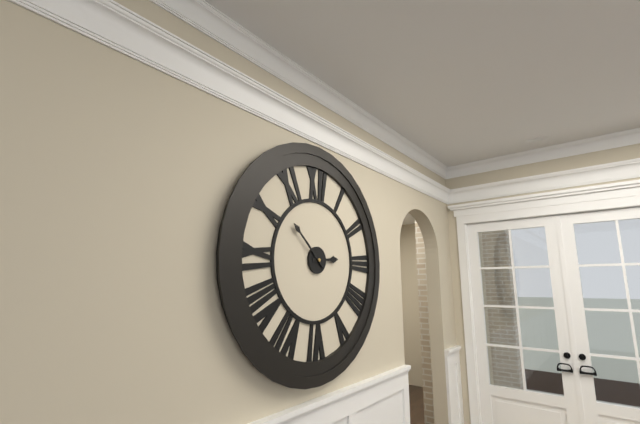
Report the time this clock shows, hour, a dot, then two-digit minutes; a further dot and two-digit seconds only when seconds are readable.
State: 2.52
